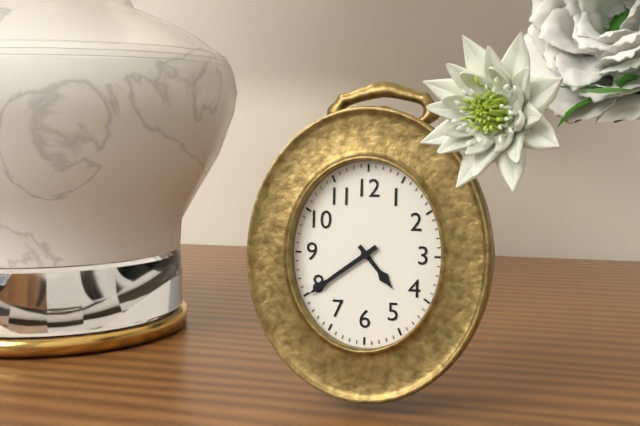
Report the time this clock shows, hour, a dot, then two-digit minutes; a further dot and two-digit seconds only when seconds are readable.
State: 4.39
